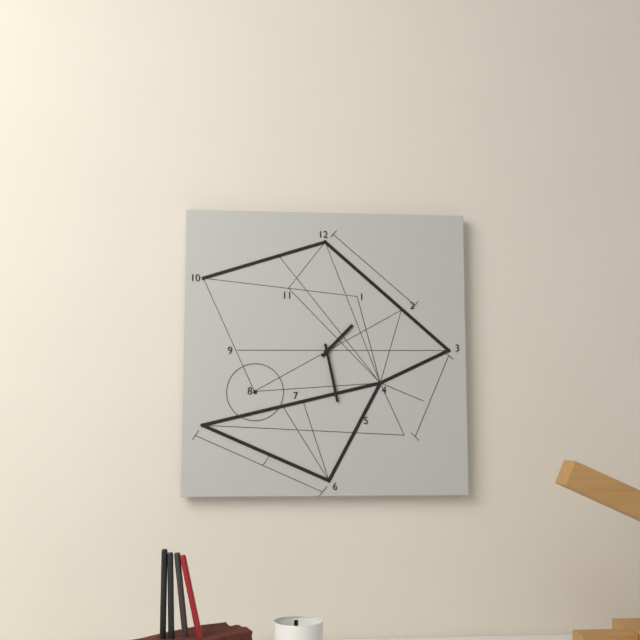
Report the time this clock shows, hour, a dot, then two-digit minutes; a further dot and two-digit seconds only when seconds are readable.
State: 1.28
